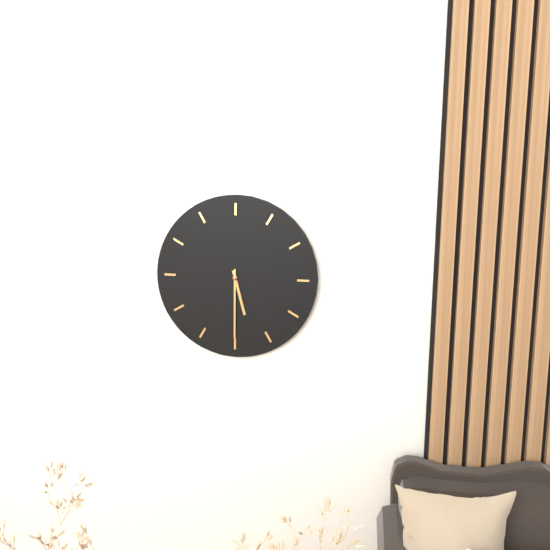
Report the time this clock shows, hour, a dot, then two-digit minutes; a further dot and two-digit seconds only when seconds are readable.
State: 5.30
